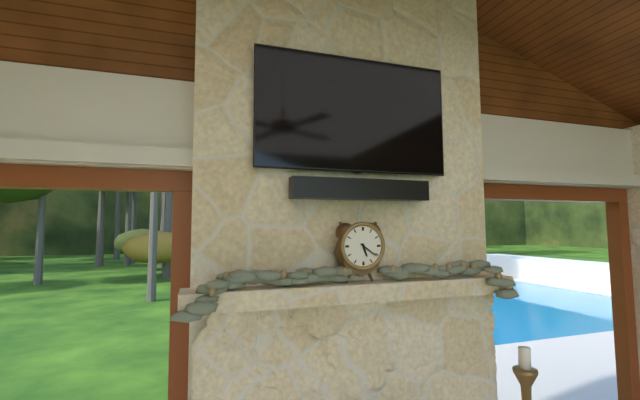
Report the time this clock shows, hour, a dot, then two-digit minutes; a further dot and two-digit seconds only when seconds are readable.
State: 5.21
